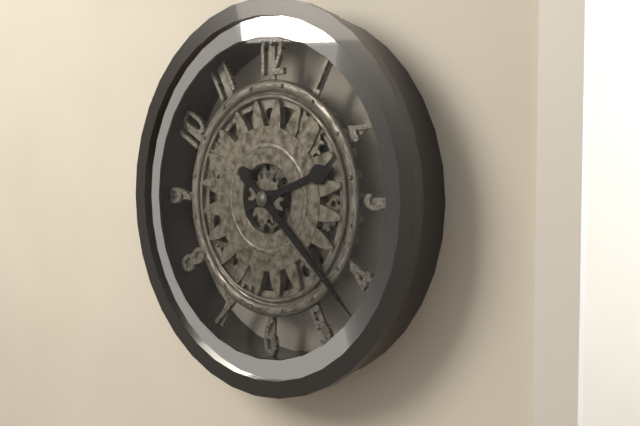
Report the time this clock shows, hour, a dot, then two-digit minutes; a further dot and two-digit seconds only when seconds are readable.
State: 2.22
